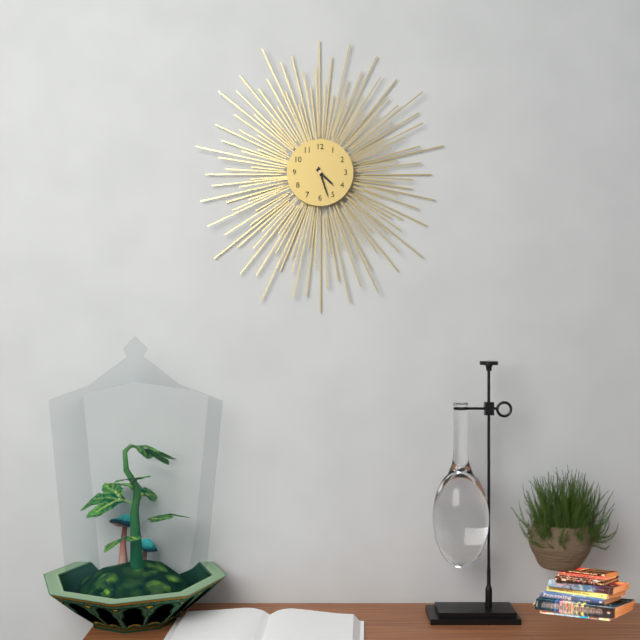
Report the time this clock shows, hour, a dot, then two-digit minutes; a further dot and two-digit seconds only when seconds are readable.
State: 4.27
